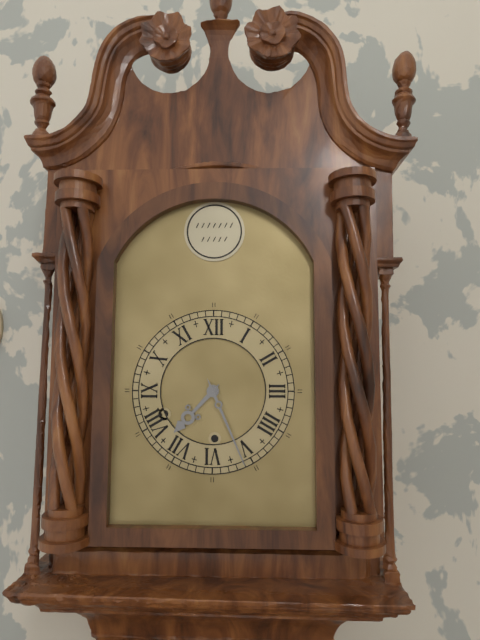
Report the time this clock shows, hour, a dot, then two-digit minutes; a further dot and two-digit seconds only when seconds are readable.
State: 7.26
